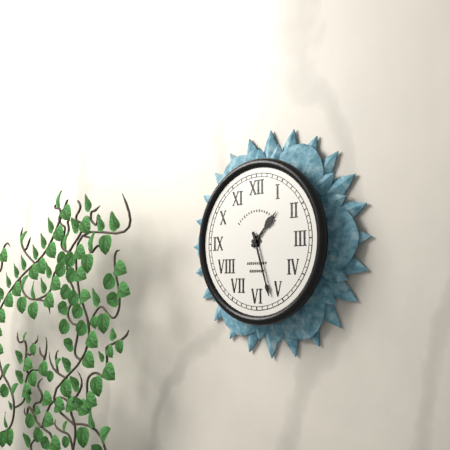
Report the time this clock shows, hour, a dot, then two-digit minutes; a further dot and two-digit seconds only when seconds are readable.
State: 1.27
